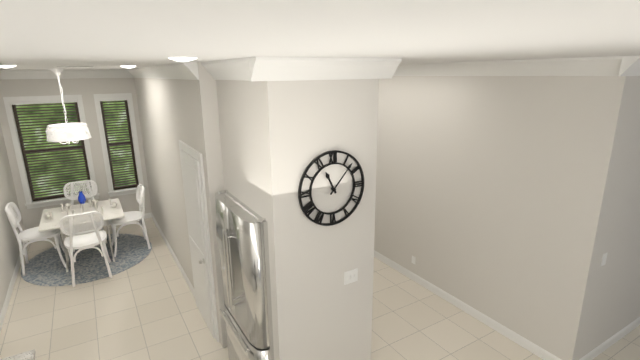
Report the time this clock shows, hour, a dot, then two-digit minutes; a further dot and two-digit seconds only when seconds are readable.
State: 11.07
